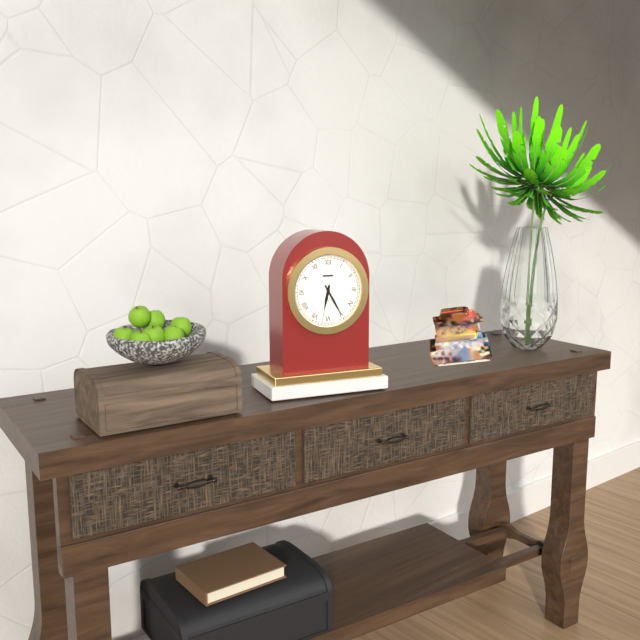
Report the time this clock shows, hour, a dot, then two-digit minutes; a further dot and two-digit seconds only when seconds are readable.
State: 6.25
